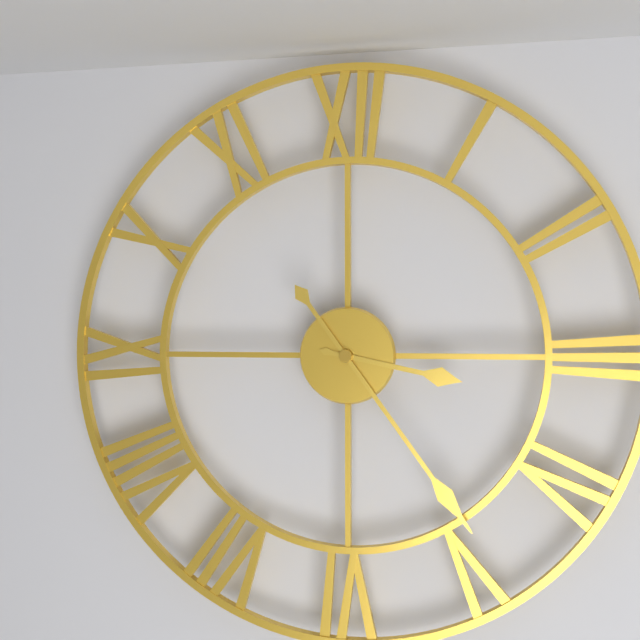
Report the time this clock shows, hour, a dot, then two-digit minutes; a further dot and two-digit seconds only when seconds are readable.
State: 3.24
